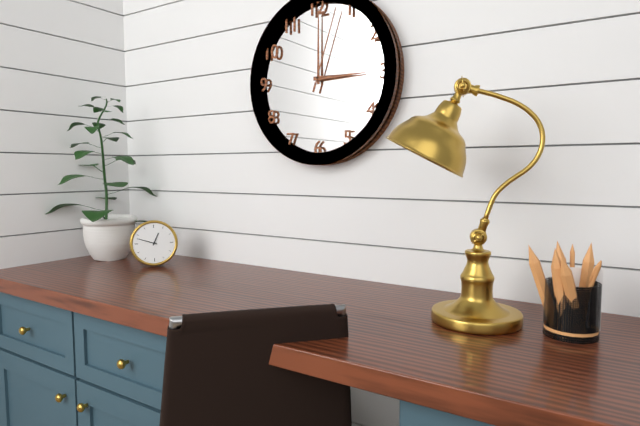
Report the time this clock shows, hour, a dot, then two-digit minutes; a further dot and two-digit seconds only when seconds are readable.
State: 12.48
